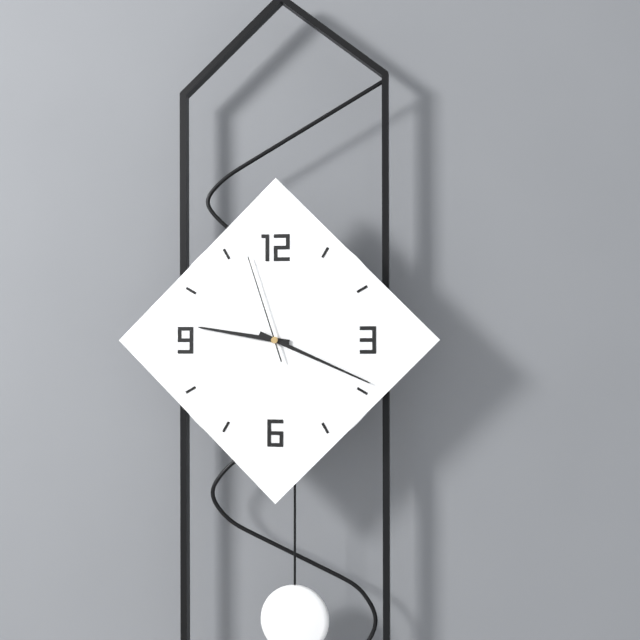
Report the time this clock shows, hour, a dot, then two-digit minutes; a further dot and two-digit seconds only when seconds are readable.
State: 9.19.57
